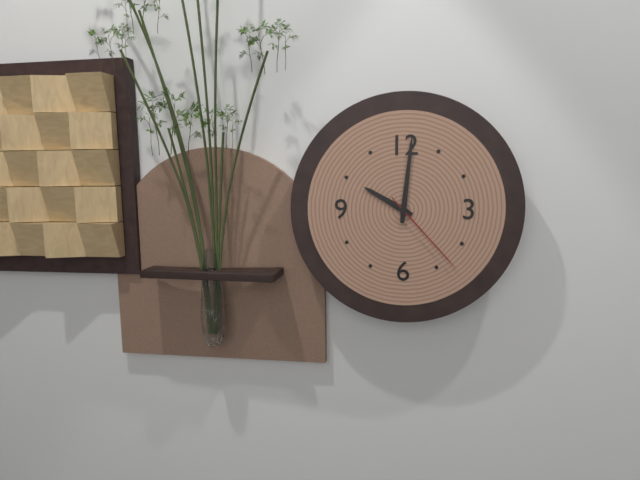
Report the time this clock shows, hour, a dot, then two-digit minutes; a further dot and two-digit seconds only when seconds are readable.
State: 10.01.23
